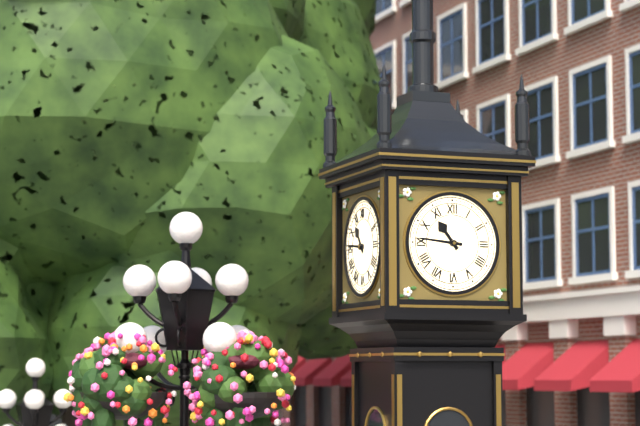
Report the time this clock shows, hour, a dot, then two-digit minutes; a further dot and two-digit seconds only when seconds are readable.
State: 10.46
